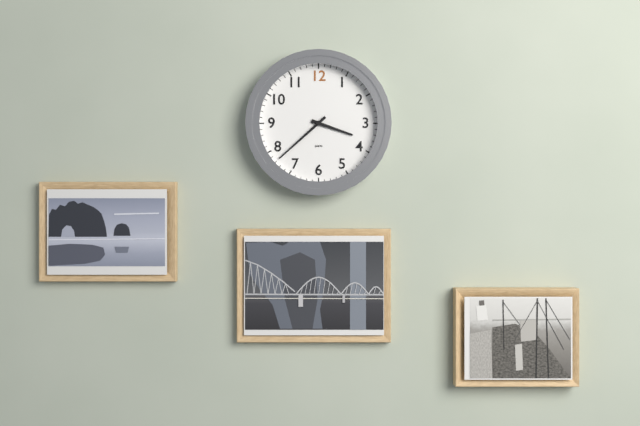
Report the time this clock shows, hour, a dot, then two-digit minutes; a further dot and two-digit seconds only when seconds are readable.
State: 3.38
